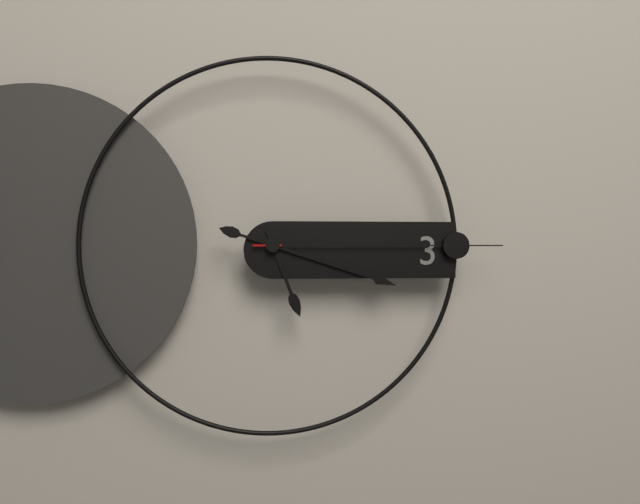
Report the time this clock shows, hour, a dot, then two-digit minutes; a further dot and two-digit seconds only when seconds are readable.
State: 5.18.15
